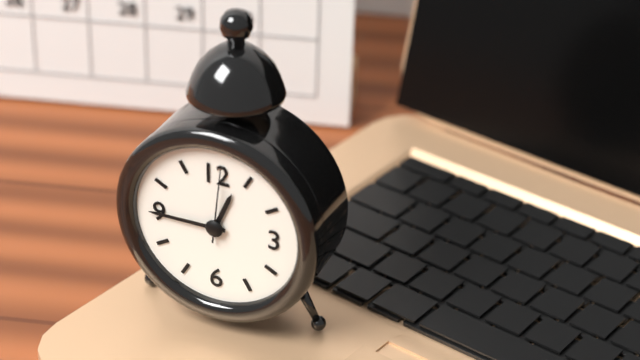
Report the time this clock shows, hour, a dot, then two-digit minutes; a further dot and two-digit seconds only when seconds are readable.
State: 12.45
